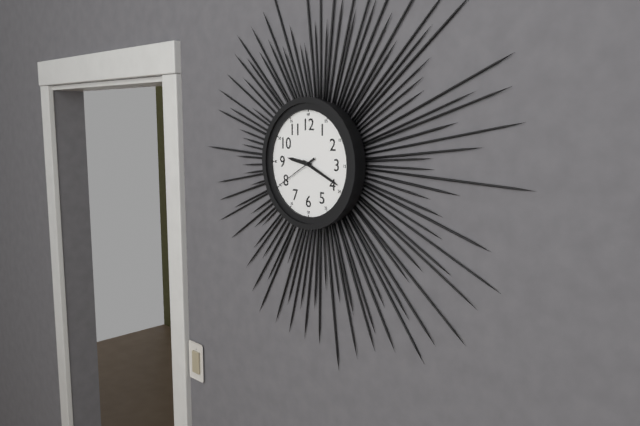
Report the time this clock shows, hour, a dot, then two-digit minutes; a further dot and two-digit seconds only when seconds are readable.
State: 9.19
